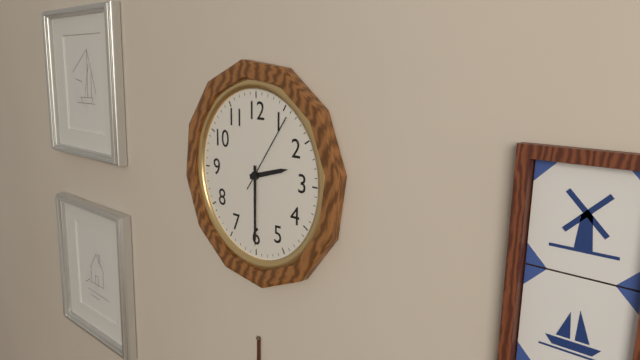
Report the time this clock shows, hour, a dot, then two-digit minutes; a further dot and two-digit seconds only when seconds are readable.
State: 2.30.06
